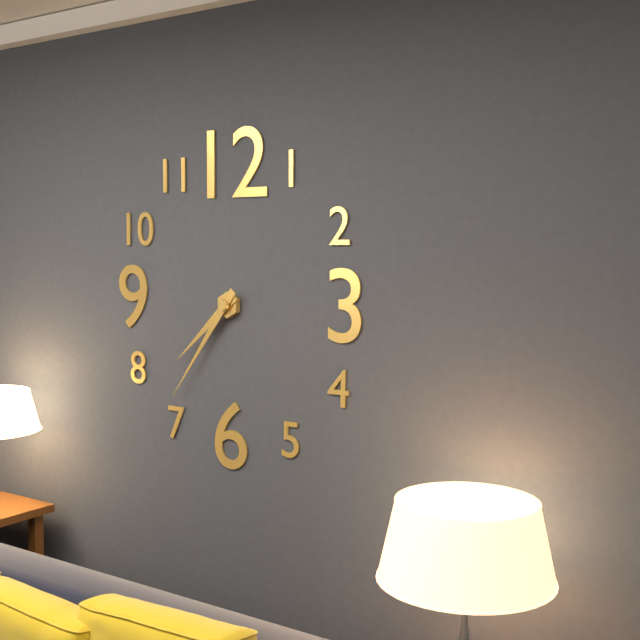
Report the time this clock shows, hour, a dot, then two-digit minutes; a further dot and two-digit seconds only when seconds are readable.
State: 7.36
